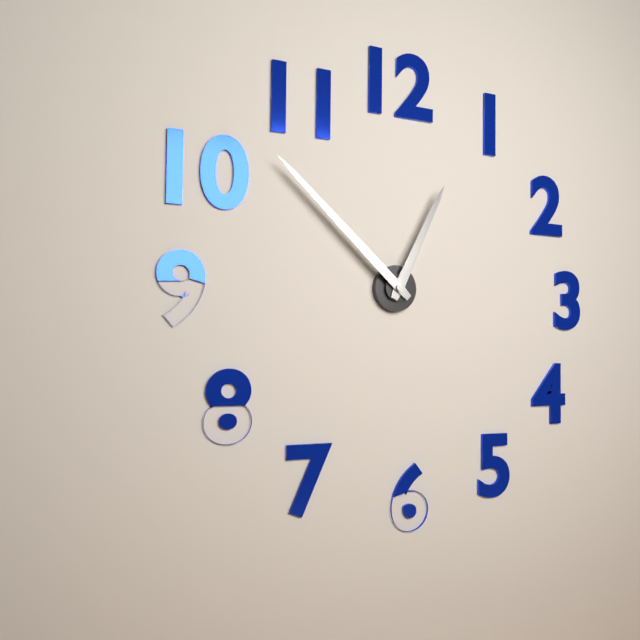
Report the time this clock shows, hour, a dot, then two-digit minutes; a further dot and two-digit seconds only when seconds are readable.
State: 12.52
